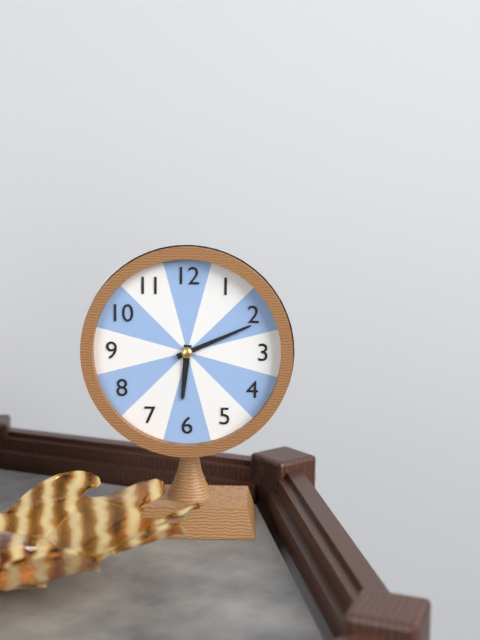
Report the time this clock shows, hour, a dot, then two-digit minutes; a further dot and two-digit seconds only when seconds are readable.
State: 6.11
